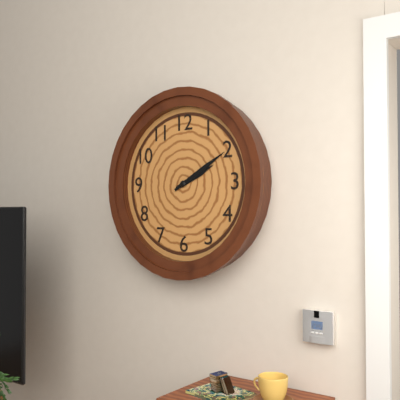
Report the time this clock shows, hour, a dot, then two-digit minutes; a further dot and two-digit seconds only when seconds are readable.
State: 2.10
